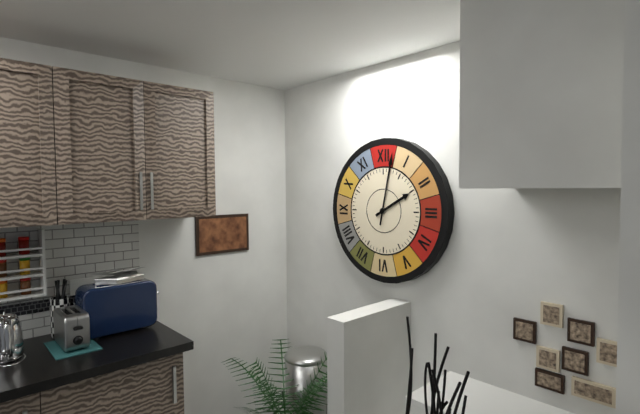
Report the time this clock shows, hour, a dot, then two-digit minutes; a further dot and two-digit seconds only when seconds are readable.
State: 2.02
